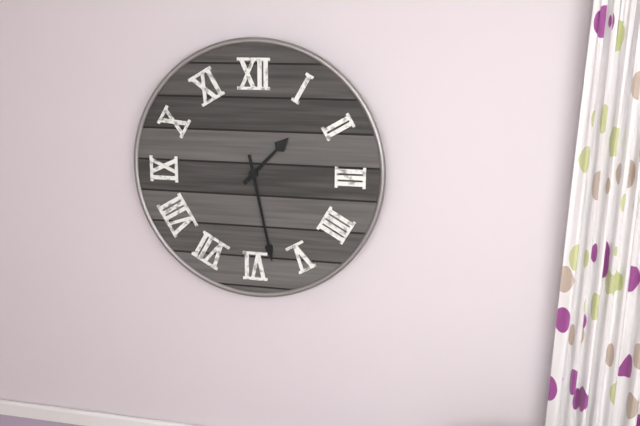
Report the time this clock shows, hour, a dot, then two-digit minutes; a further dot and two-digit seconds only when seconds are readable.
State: 1.28
